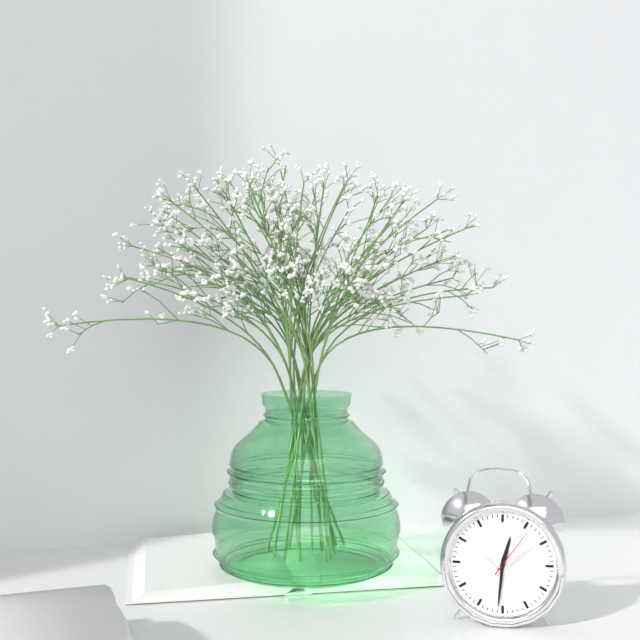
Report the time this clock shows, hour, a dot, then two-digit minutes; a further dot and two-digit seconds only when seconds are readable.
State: 12.31.06
